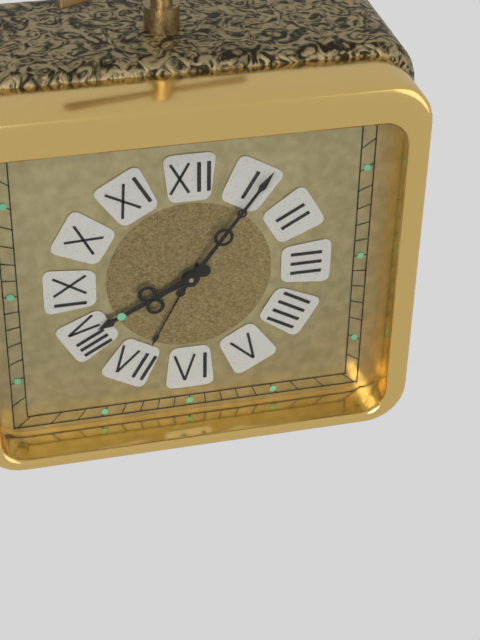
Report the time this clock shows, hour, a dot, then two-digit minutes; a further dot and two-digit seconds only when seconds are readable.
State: 8.06
